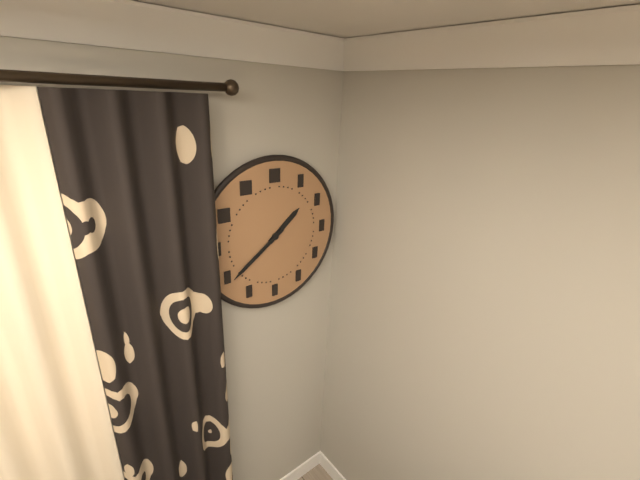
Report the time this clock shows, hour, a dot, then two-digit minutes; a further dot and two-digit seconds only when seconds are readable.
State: 1.39
